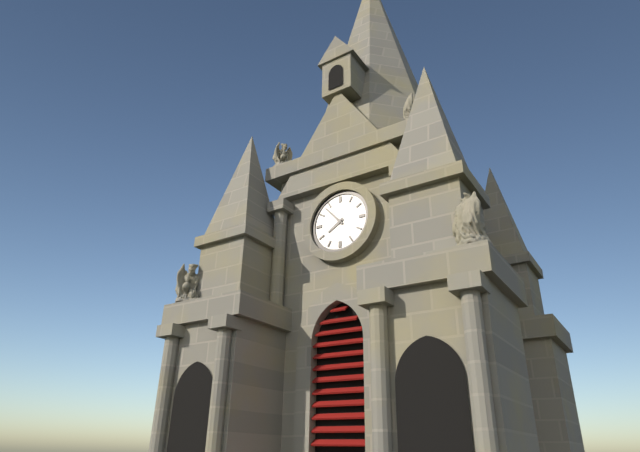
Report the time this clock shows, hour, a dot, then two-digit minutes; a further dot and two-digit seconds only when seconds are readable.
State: 7.53
